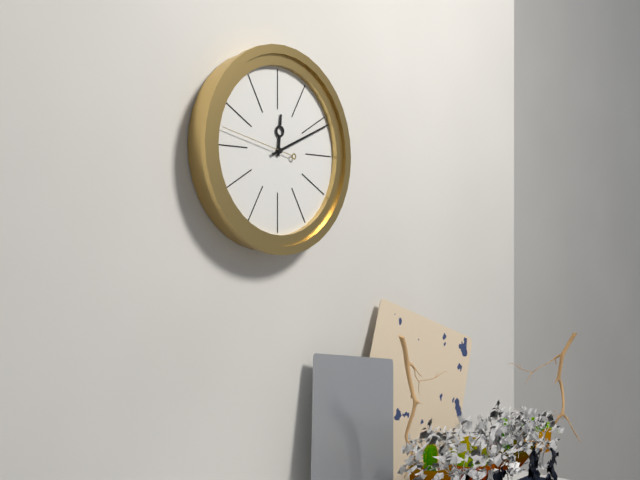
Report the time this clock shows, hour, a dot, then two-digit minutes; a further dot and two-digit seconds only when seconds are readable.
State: 12.11.47
